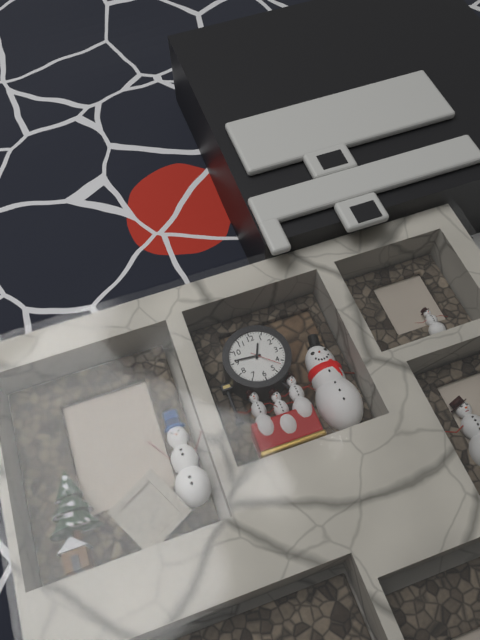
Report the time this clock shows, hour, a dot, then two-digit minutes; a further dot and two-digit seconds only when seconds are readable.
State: 12.46
